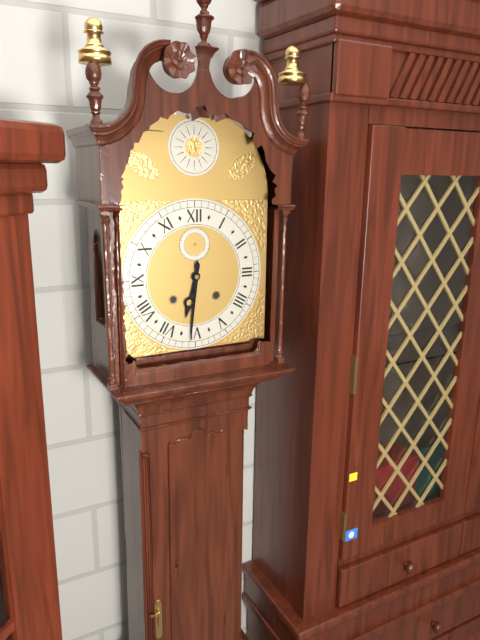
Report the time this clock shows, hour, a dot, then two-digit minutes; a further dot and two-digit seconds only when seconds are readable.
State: 6.31
